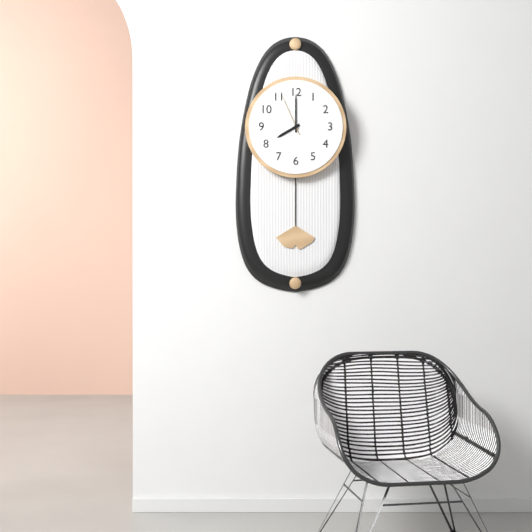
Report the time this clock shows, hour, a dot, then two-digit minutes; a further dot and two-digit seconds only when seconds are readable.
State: 8.00
